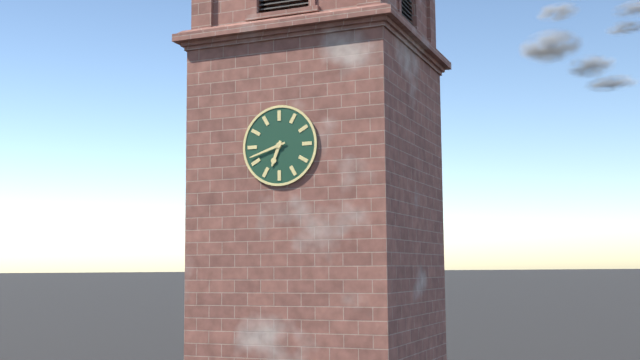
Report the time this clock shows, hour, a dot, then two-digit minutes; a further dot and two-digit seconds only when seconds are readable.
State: 6.42
